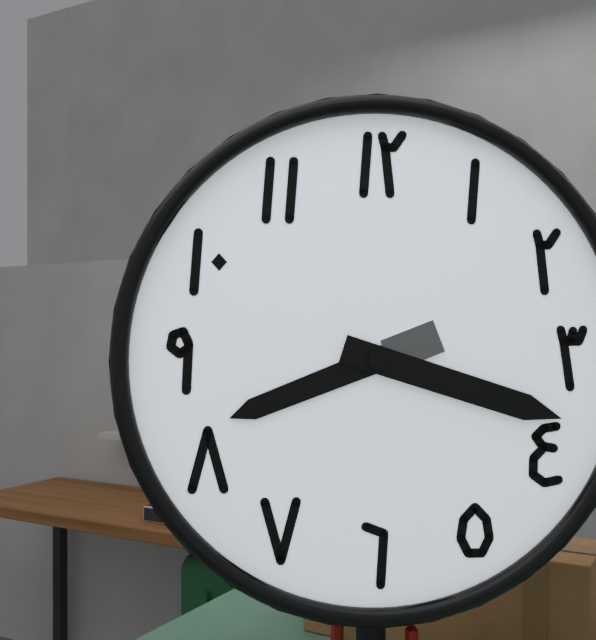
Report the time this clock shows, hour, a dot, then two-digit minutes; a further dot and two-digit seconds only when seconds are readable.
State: 8.18
